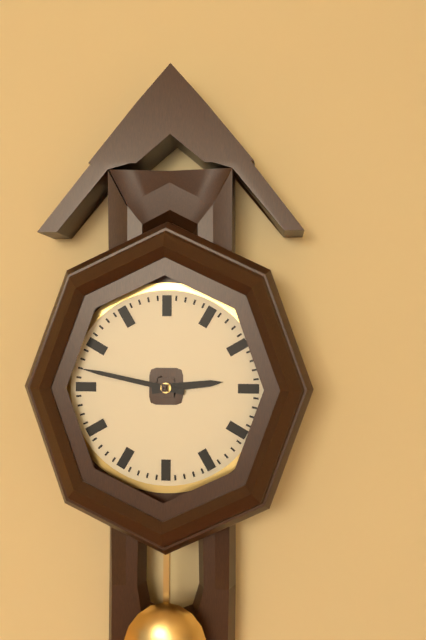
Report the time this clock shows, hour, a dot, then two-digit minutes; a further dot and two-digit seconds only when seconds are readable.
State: 2.47
